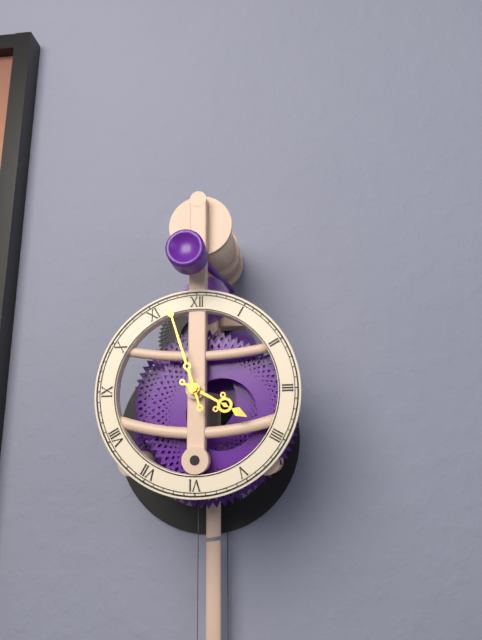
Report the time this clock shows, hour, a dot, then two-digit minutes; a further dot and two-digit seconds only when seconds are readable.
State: 3.57
